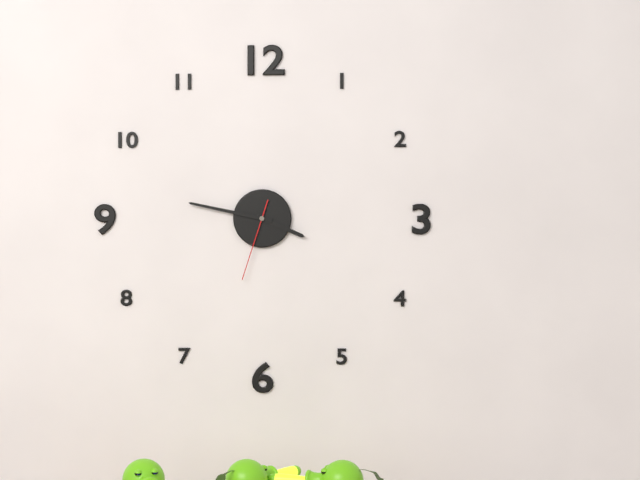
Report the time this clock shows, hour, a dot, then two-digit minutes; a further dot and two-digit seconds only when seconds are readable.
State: 3.47.33
